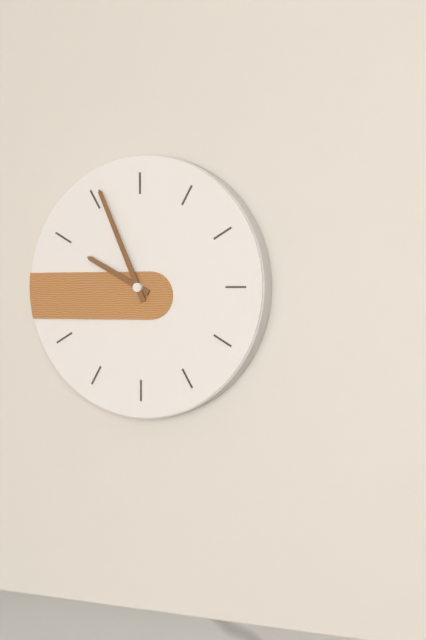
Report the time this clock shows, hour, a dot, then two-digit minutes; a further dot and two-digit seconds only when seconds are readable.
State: 9.56
